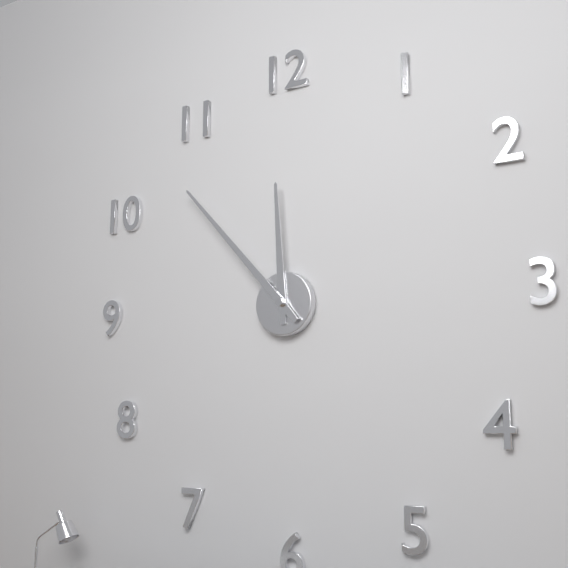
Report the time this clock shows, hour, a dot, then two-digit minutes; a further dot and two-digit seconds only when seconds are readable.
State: 11.53
